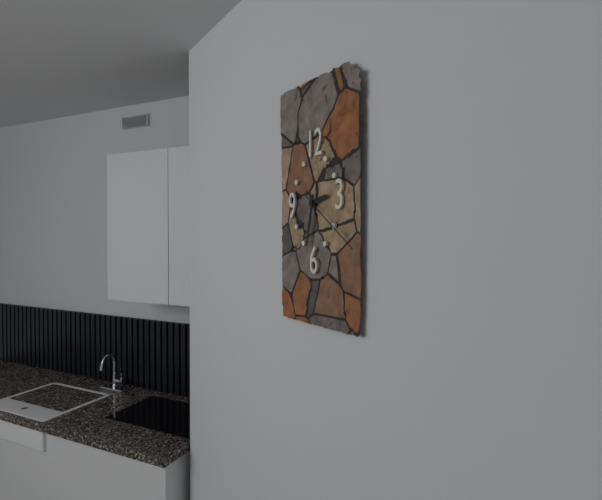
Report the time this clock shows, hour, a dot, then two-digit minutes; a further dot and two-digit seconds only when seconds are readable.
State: 2.32.21
